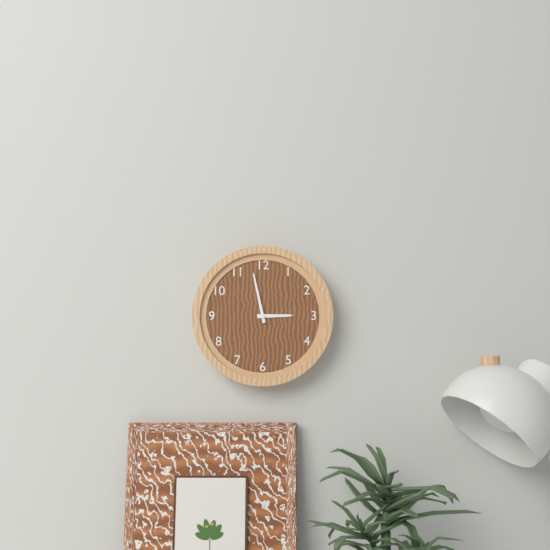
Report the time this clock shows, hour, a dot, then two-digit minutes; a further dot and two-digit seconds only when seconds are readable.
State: 2.58
